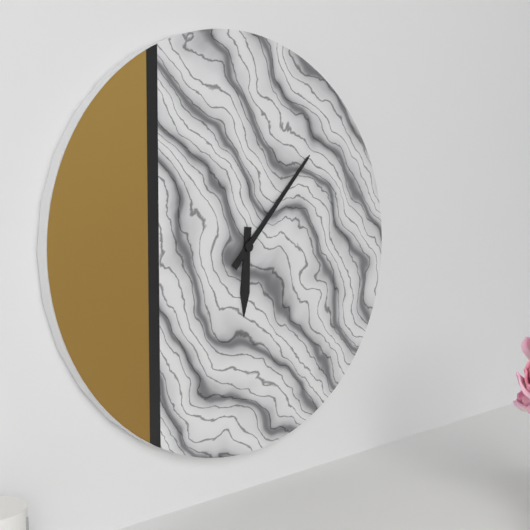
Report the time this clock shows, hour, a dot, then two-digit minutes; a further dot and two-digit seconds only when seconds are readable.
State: 6.07
